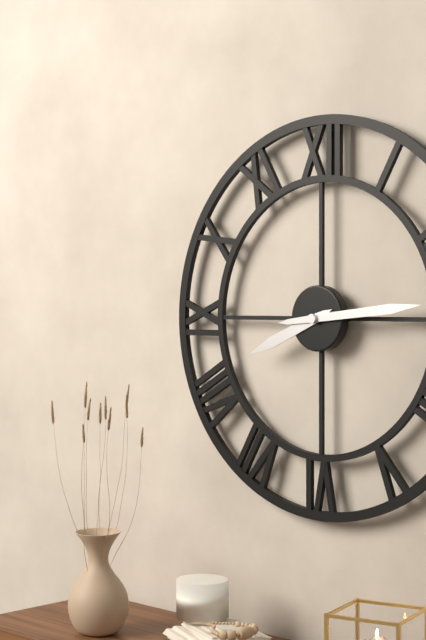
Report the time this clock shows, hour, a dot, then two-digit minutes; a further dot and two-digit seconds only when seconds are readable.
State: 8.14
